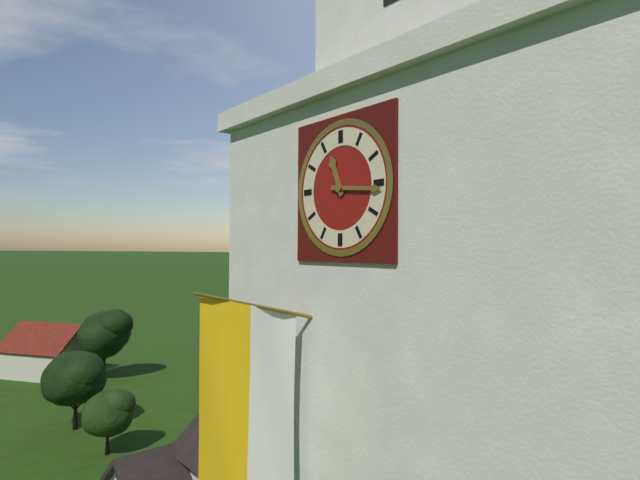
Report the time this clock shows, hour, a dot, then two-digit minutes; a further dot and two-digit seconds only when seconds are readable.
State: 11.16
